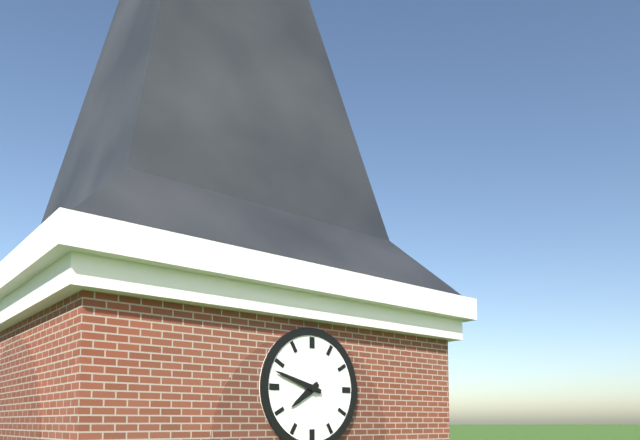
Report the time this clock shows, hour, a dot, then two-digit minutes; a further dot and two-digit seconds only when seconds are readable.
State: 7.48
